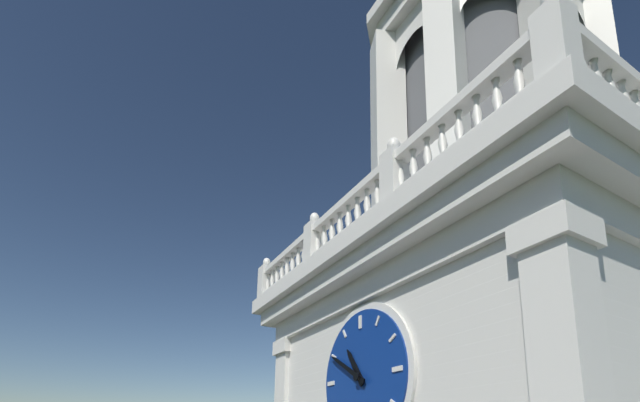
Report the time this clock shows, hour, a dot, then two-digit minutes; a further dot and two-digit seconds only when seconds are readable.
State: 10.50
